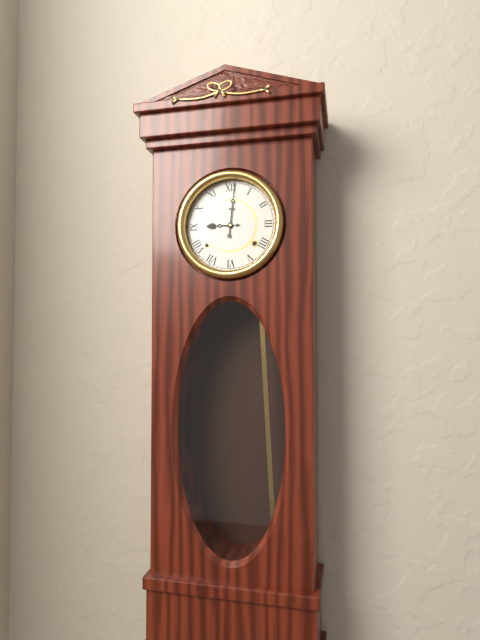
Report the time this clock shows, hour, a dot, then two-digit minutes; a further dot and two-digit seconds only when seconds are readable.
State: 9.01
